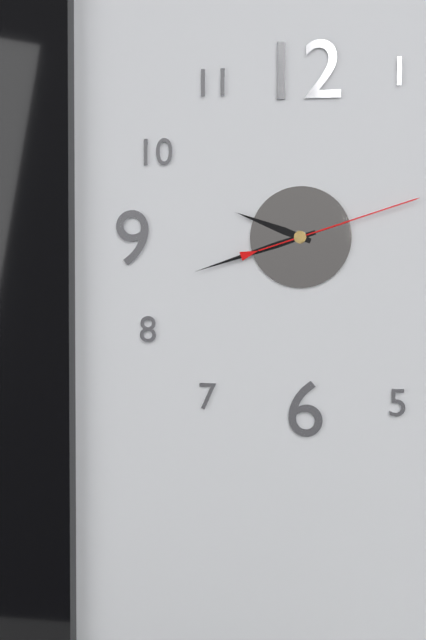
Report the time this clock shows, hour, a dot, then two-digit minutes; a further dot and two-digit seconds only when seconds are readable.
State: 9.42.12
